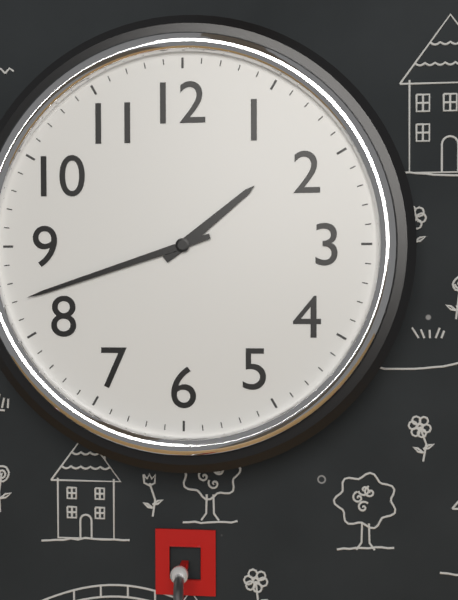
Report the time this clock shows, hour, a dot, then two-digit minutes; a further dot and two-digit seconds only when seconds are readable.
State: 1.42
